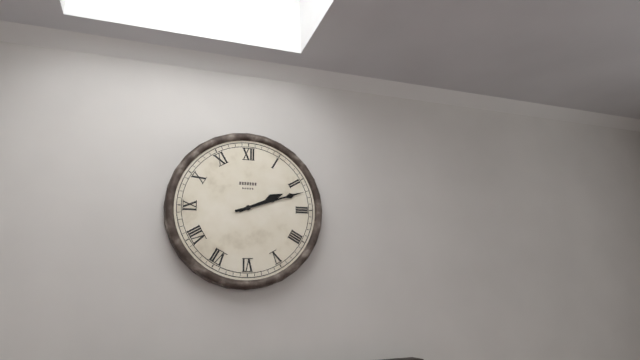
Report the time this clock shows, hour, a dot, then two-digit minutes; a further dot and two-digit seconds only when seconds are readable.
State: 2.12
